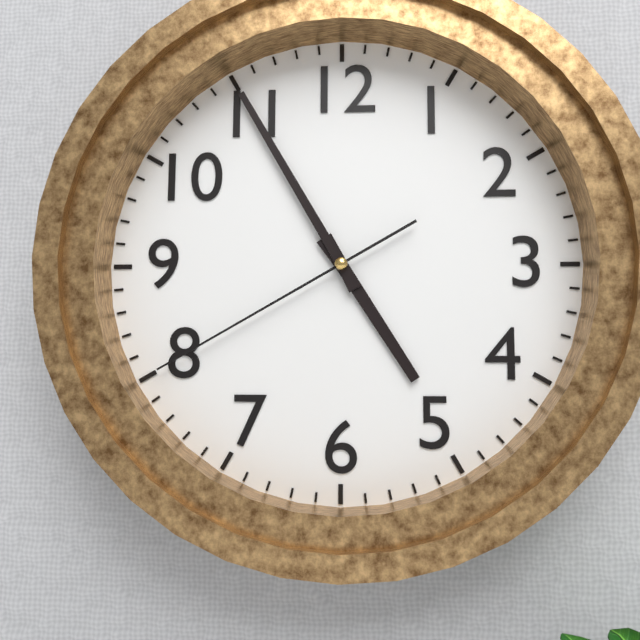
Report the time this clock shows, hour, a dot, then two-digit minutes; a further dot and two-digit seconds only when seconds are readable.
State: 4.55.40
